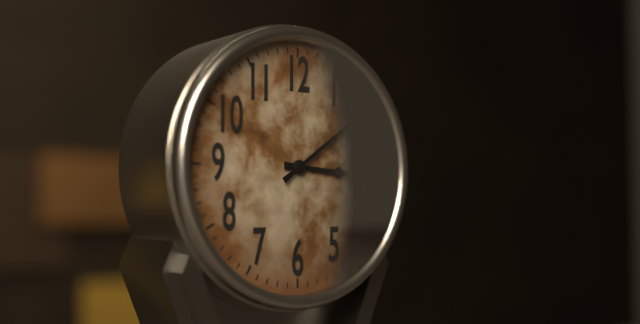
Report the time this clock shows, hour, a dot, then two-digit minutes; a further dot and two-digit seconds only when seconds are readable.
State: 3.09
